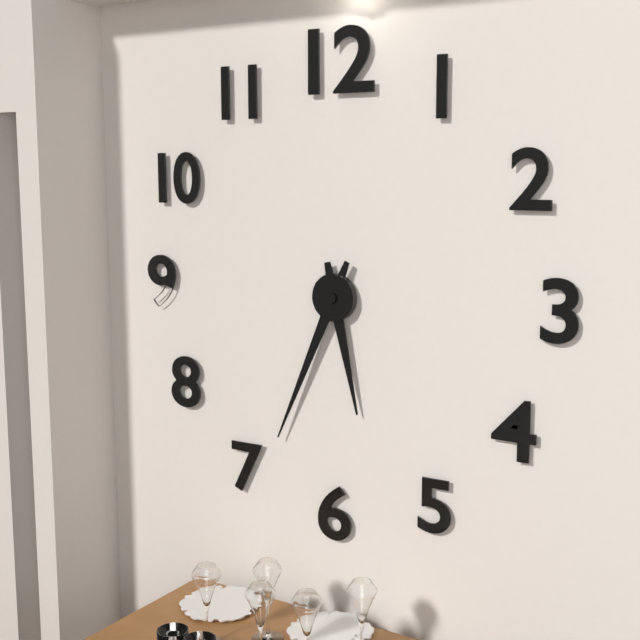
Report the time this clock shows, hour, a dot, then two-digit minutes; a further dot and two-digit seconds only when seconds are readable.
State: 5.34
